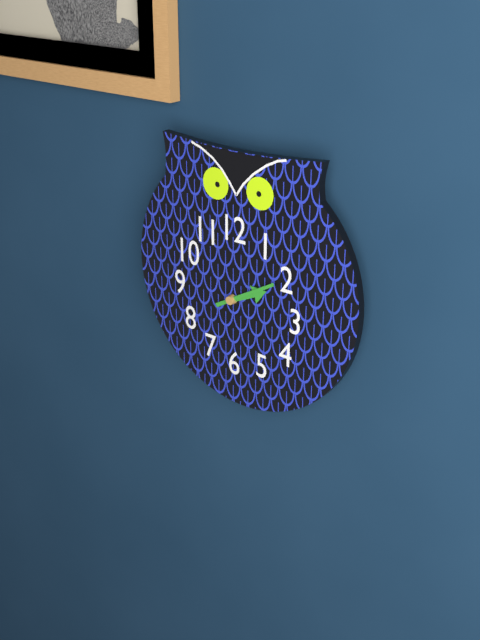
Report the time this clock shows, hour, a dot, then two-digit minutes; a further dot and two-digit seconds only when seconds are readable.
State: 2.10
